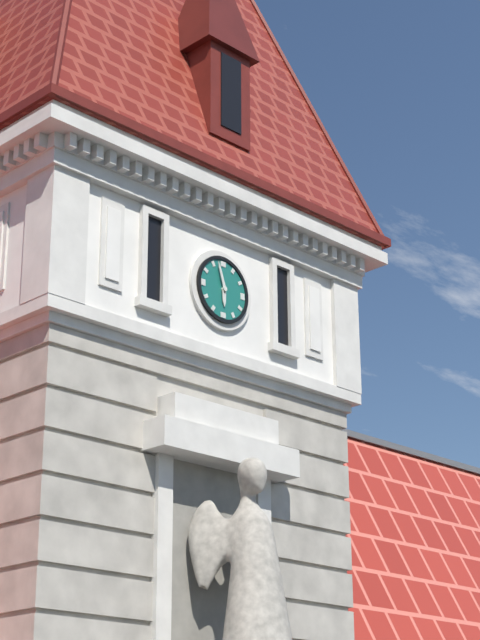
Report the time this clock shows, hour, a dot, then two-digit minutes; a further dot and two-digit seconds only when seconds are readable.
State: 5.57
